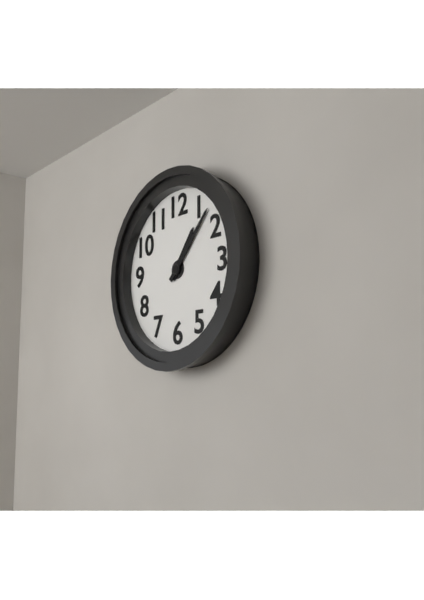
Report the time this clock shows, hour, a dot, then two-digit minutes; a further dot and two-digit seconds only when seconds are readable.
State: 1.07
